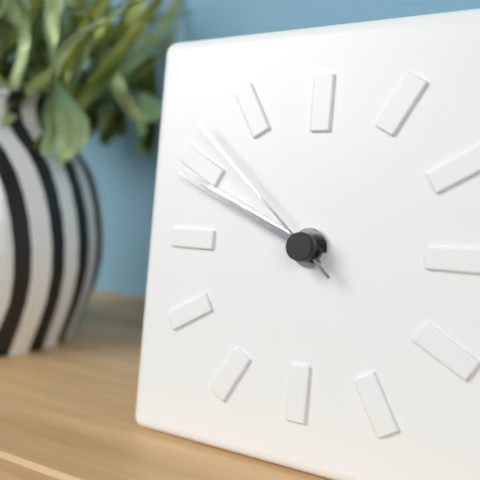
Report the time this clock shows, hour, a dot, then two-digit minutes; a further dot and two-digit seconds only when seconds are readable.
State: 9.49.52
